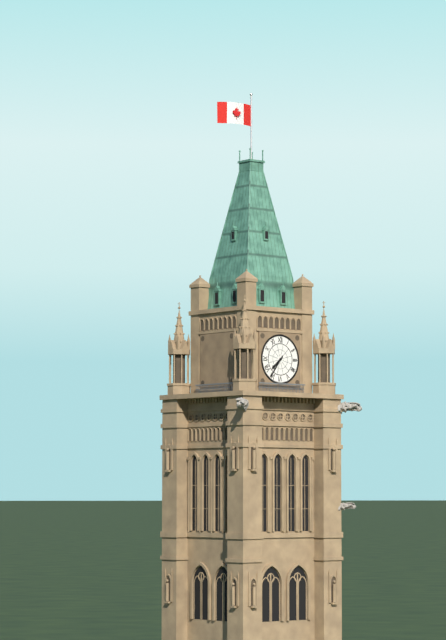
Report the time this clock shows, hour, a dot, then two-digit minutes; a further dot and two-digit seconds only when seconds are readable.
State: 7.36
